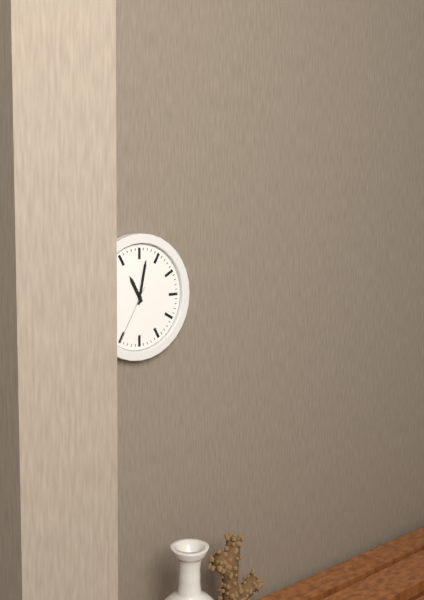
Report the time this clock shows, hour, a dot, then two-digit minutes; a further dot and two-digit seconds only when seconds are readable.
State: 11.02.35
